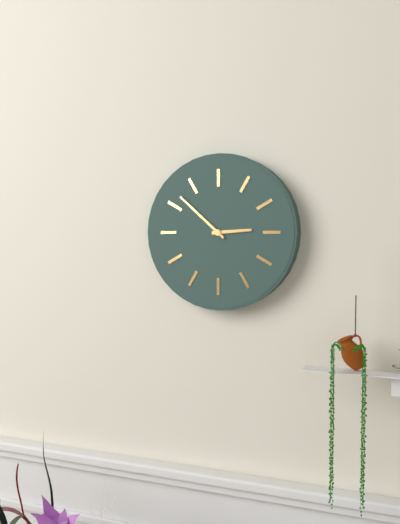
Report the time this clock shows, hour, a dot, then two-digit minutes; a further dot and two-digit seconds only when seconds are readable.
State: 2.52
